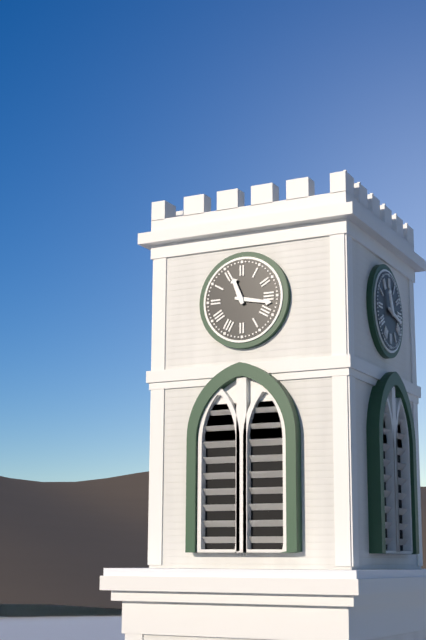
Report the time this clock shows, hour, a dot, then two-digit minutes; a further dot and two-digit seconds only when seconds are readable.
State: 11.17
